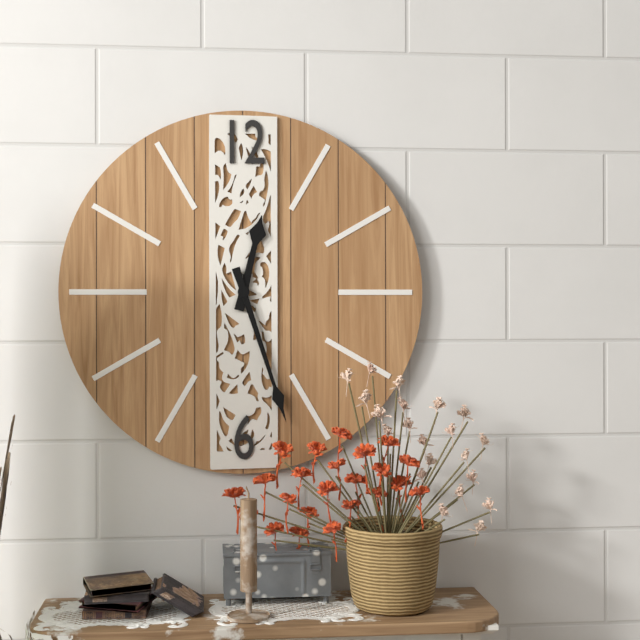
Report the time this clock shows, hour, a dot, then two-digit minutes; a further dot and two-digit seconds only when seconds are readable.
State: 12.27
